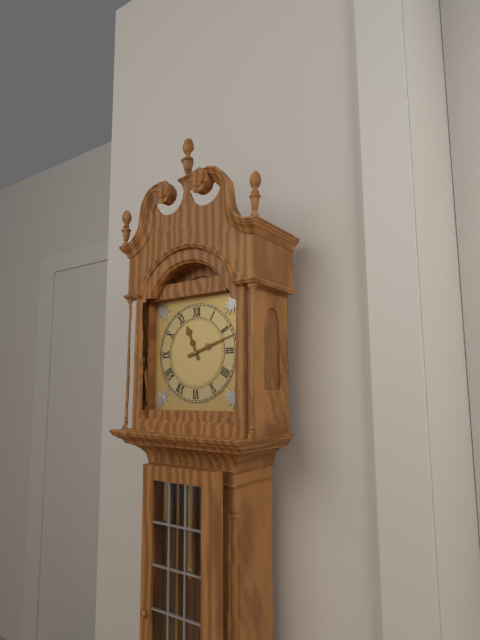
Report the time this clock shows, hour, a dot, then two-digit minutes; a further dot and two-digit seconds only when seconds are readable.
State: 11.12
